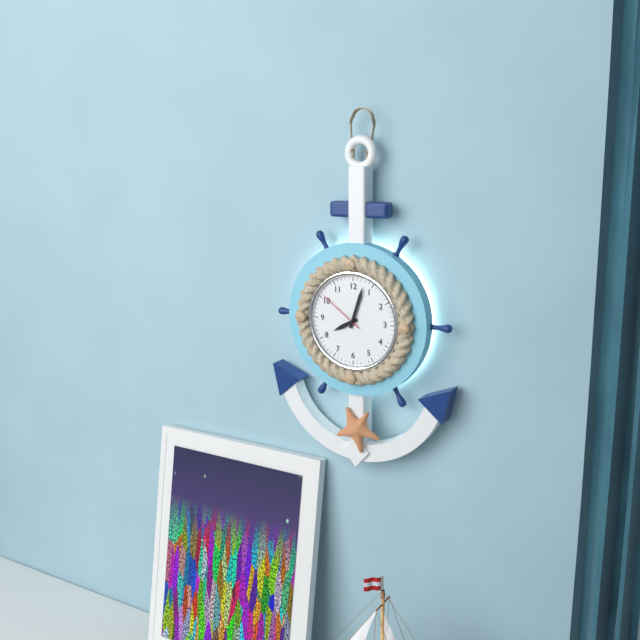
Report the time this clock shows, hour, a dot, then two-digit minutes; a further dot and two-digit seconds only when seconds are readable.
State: 8.03
